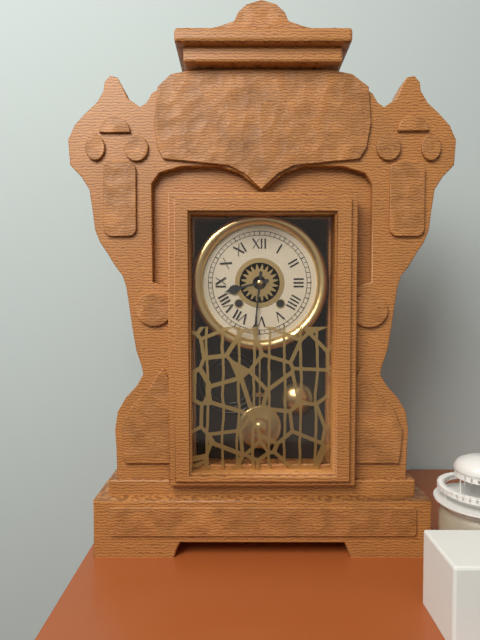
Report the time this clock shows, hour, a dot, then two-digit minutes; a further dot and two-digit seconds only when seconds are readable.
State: 8.31
